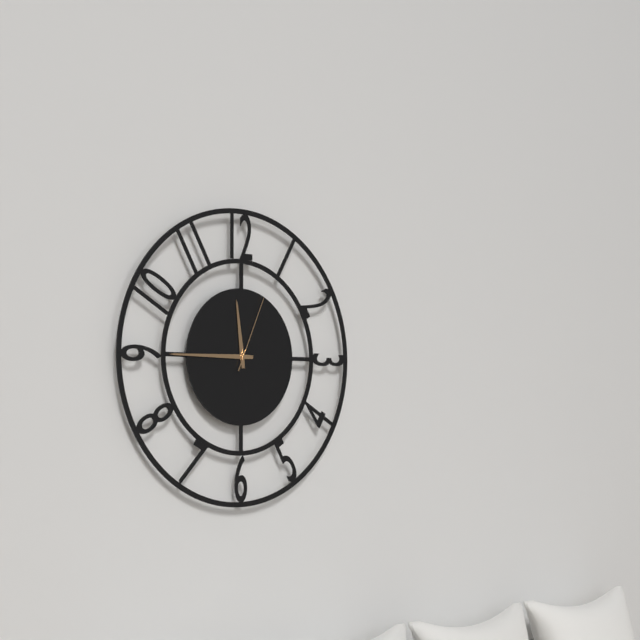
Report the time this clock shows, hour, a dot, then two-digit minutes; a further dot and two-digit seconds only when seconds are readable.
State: 11.45.04
